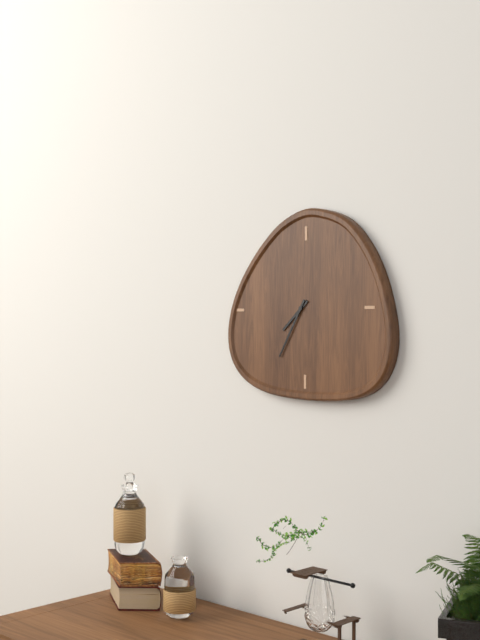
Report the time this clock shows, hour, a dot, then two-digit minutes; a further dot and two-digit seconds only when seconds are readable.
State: 7.35
